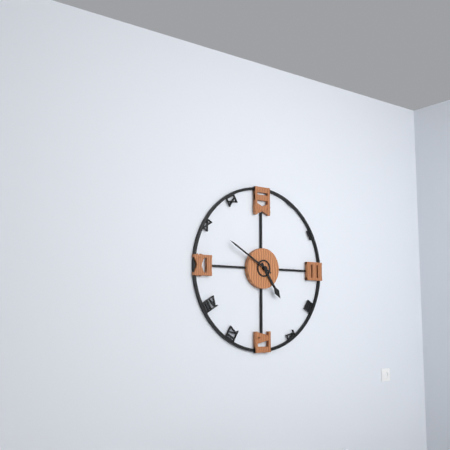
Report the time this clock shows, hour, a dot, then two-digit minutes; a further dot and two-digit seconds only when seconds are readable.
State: 4.50
